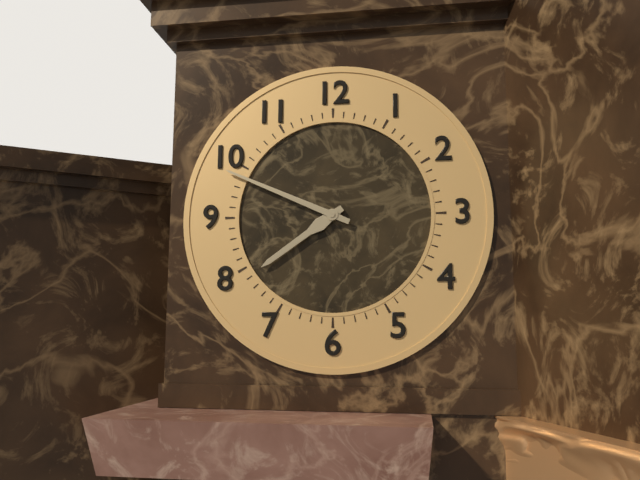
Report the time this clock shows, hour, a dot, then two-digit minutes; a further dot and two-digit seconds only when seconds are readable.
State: 7.49
